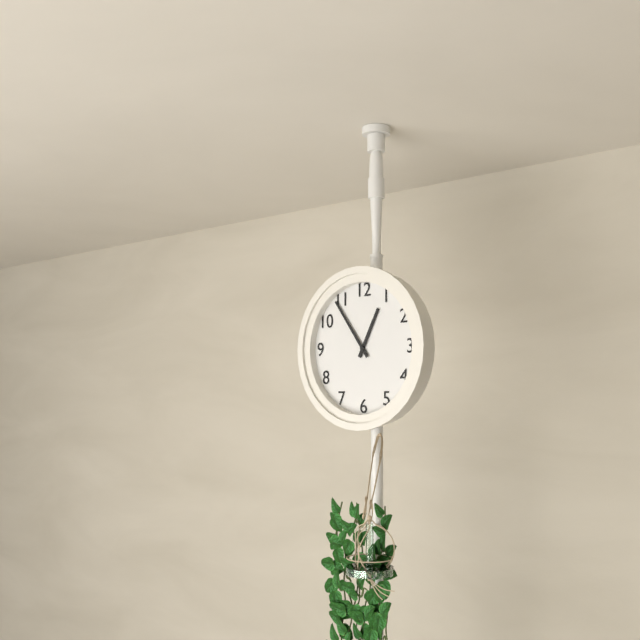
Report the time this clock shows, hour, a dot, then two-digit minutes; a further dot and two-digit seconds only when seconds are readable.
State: 12.54
